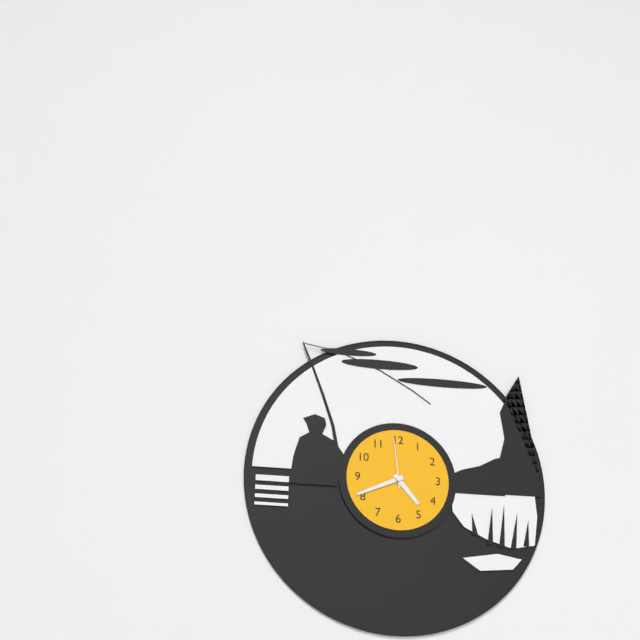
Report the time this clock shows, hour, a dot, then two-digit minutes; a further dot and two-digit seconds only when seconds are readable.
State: 4.41.59
